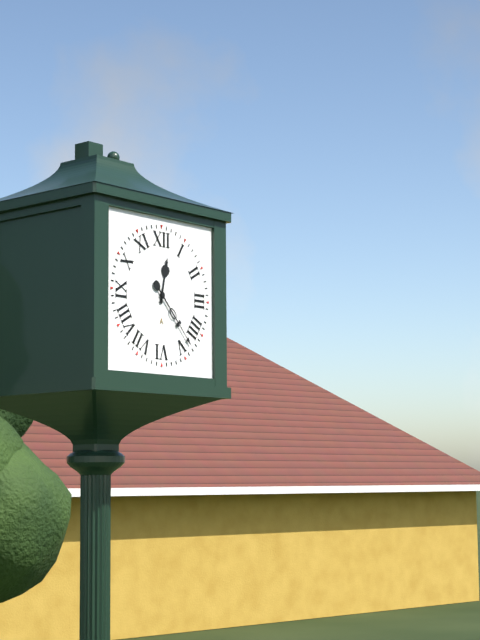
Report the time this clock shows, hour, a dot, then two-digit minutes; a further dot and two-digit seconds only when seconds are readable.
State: 12.23
